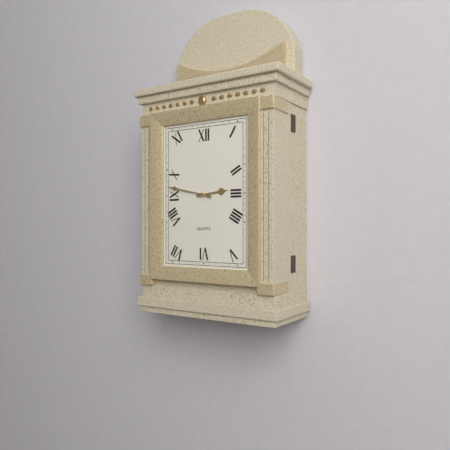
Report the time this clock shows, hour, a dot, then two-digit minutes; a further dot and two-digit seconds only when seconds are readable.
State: 2.47
